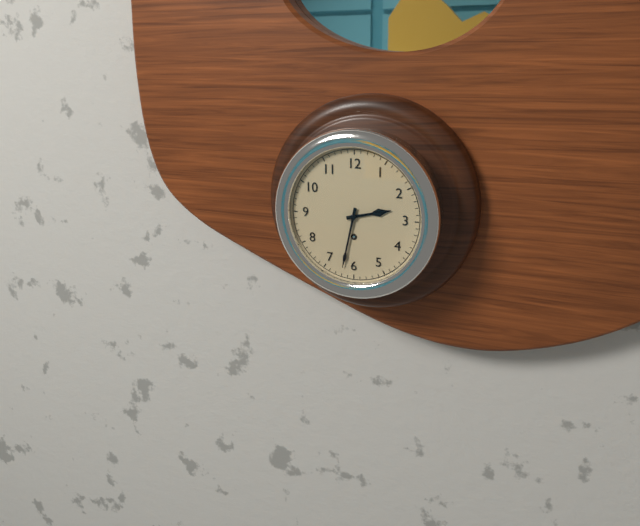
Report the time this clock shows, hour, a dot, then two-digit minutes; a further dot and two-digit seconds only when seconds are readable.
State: 2.32
